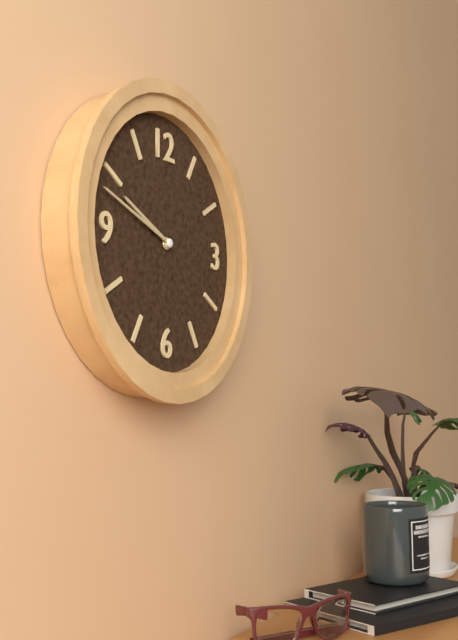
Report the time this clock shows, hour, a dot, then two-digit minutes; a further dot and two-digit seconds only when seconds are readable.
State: 9.48
